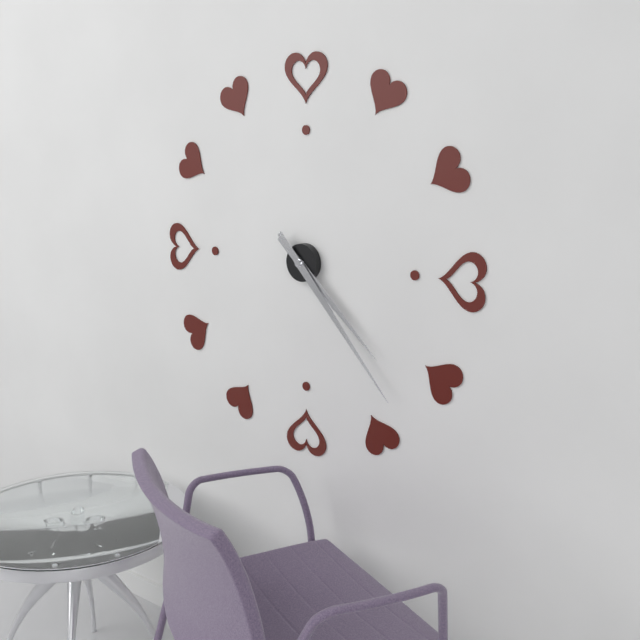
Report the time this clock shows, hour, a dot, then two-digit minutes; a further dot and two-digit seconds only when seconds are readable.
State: 4.23
